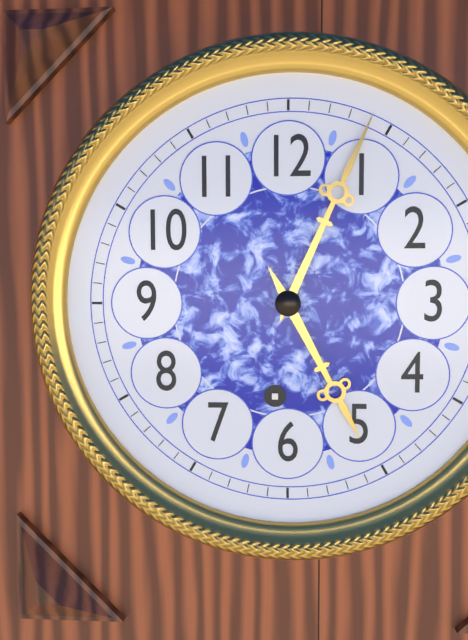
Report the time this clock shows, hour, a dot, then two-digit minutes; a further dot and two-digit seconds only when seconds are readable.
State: 5.04
